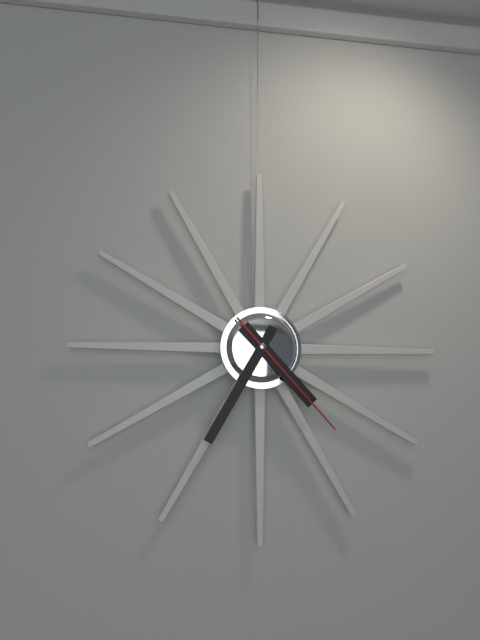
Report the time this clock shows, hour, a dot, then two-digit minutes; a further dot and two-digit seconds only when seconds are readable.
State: 4.35.23
